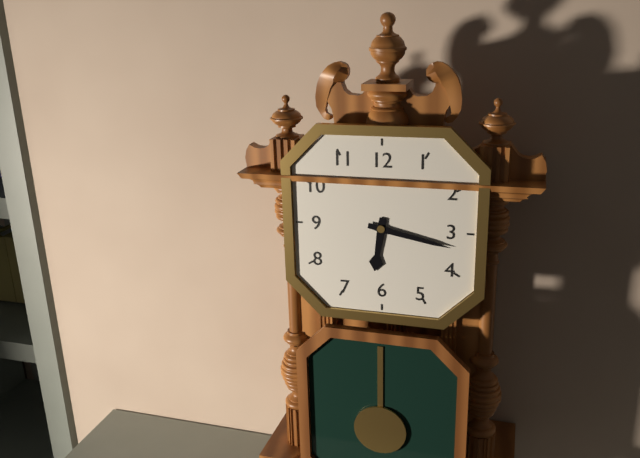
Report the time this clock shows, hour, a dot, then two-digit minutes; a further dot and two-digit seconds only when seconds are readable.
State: 6.17
